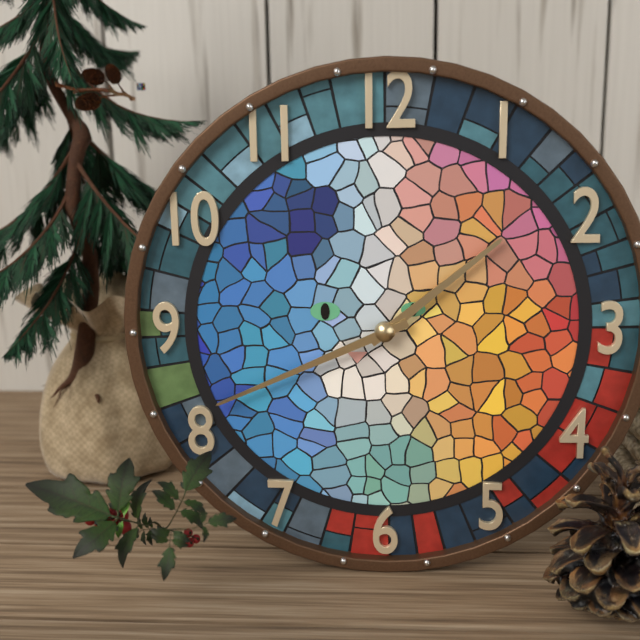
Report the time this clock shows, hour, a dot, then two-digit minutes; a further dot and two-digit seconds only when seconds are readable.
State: 1.41
